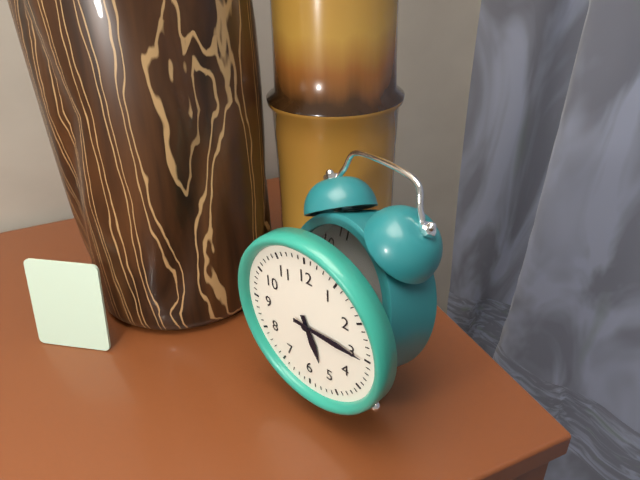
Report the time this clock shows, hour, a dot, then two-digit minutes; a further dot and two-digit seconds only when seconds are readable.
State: 5.15
